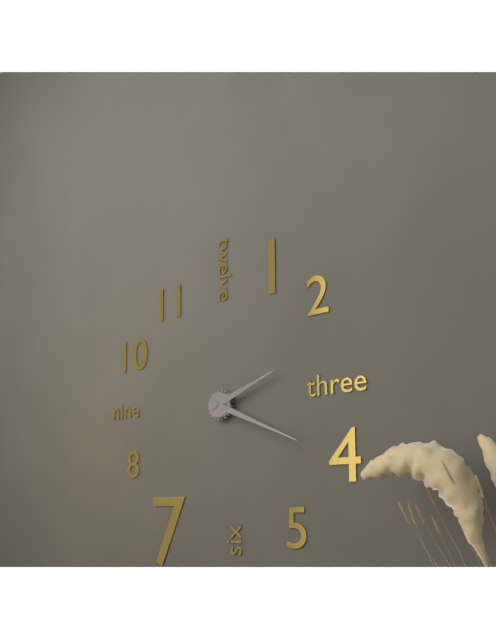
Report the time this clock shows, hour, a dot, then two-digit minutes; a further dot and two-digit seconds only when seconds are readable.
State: 2.19
